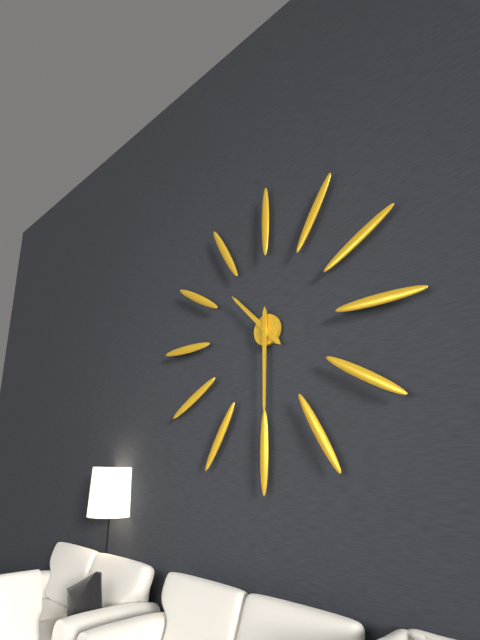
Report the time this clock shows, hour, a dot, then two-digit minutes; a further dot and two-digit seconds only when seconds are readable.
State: 10.30
